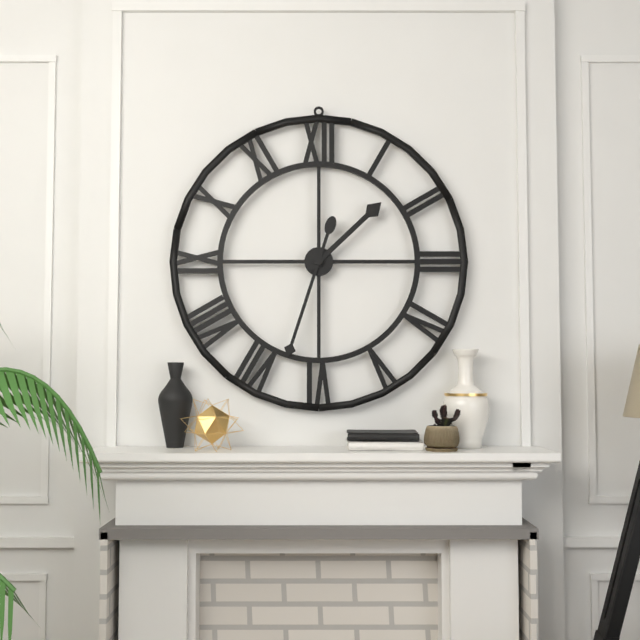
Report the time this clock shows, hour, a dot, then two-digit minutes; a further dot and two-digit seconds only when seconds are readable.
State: 1.33
